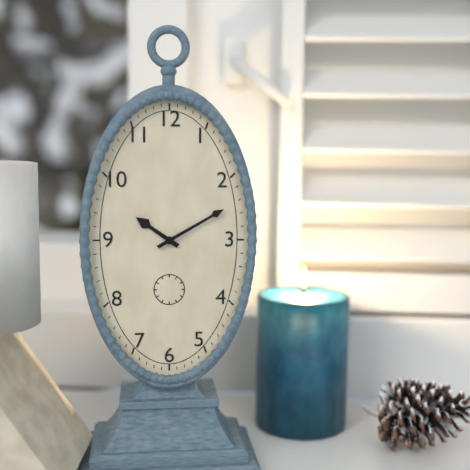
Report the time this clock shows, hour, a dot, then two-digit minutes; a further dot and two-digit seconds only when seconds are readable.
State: 10.10
